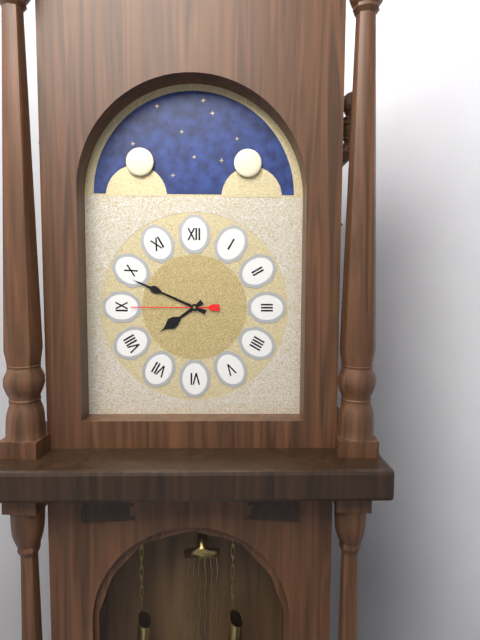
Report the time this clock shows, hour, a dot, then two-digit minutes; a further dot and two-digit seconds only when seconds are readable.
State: 7.49.45
